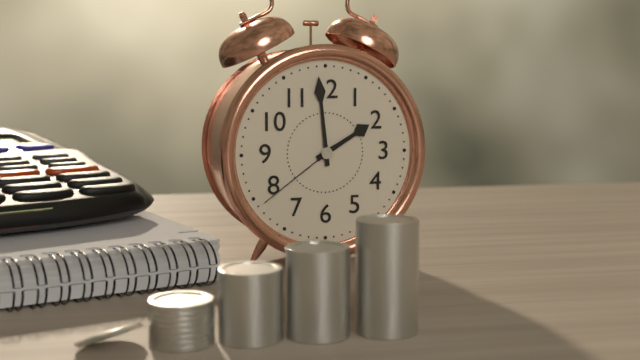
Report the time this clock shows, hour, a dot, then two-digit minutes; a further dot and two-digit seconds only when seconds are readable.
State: 1.59.39
